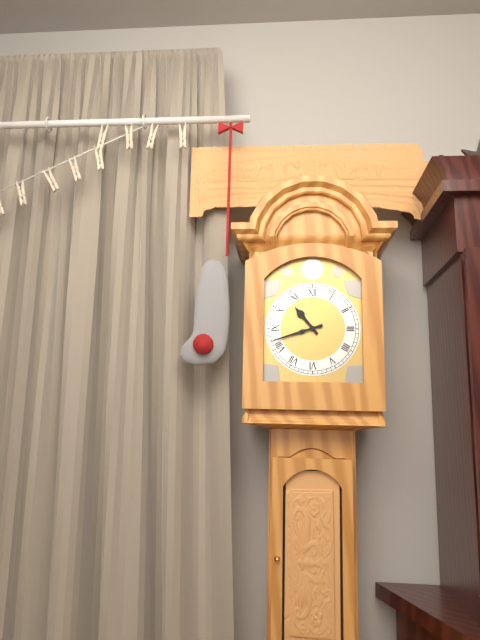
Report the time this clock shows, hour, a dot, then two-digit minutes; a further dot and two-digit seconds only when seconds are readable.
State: 10.42
